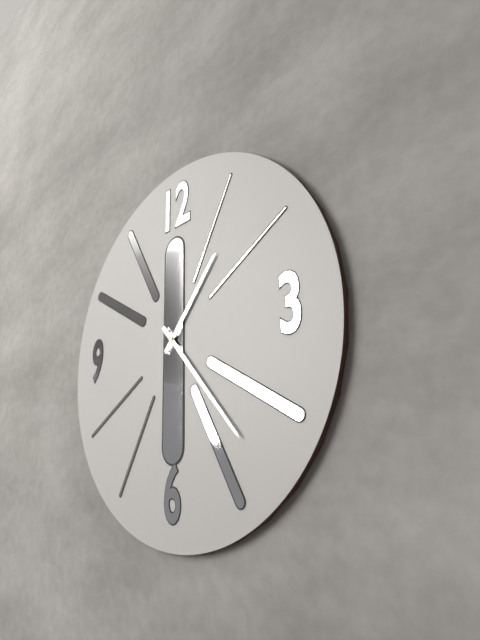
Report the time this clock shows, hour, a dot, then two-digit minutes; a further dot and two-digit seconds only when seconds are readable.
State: 1.23
